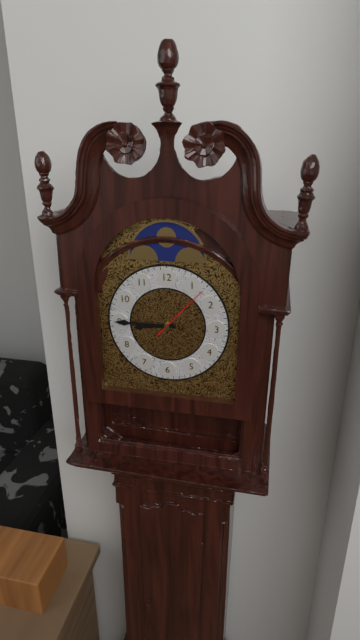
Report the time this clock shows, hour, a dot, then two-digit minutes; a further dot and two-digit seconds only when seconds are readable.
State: 8.45.07
